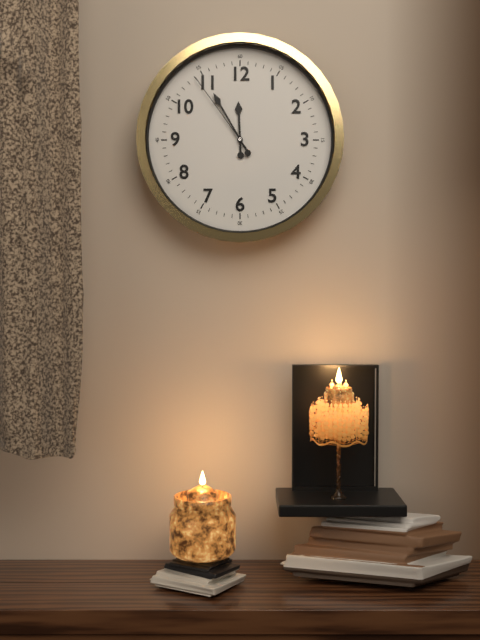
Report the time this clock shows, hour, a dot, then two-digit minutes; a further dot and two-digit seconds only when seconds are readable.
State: 11.55.54
